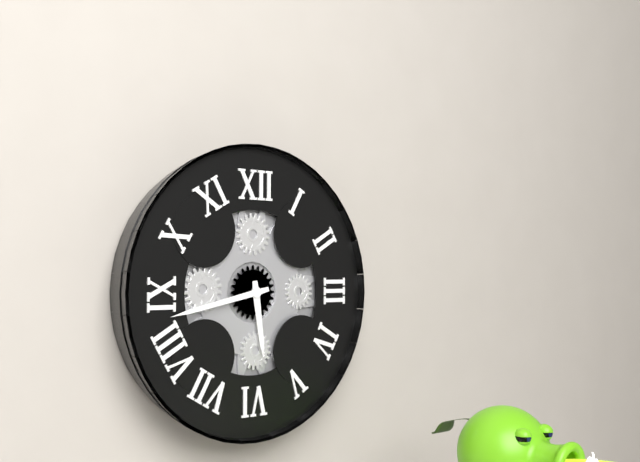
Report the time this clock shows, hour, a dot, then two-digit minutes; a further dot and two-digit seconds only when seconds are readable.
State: 5.43
